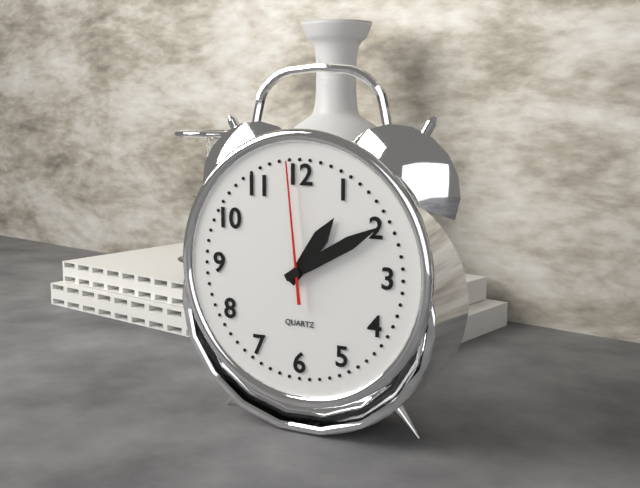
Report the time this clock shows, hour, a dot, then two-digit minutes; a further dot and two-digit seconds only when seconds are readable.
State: 1.10.59
